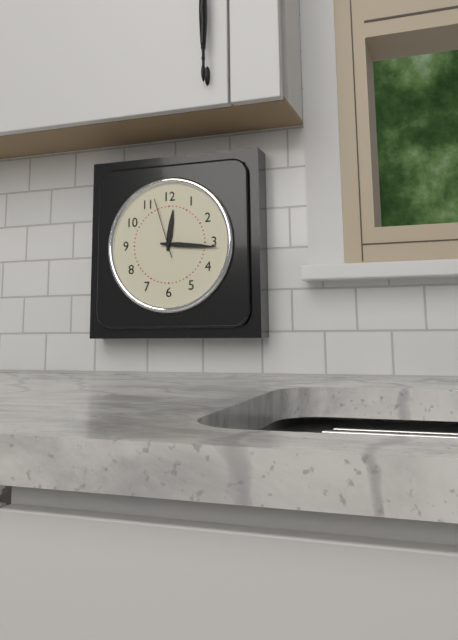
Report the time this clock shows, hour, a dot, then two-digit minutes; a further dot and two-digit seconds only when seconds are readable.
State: 12.16.57
